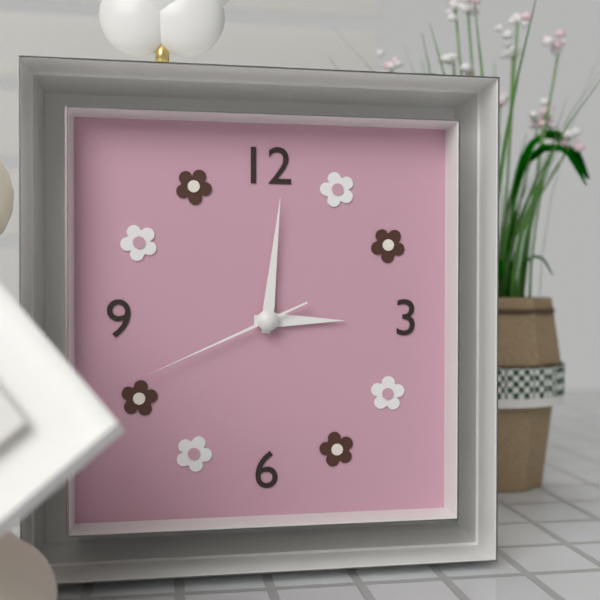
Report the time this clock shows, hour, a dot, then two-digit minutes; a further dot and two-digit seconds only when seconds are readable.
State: 3.01.41
